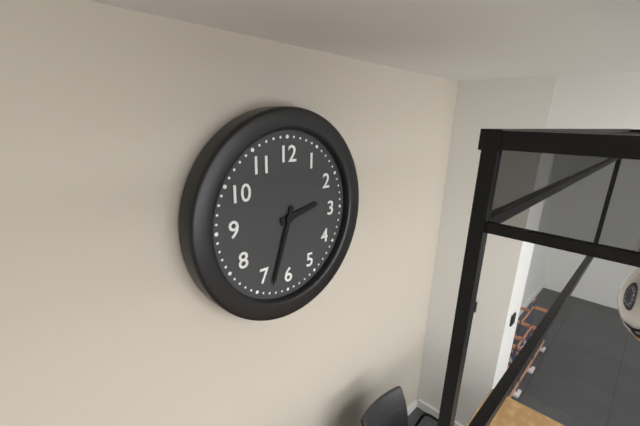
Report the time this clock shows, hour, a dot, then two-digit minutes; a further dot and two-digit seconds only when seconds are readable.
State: 2.33
